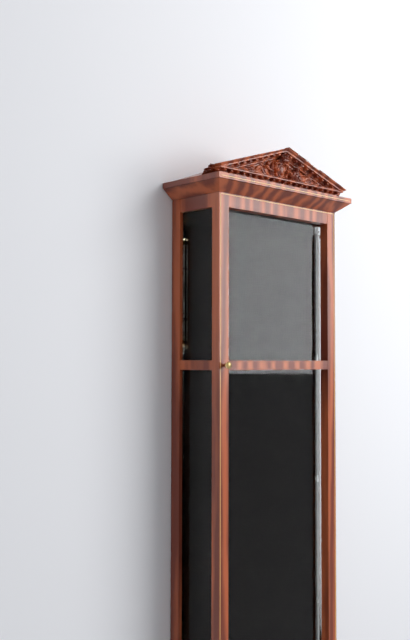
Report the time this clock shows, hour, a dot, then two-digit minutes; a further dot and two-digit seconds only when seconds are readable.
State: 12.07.00
